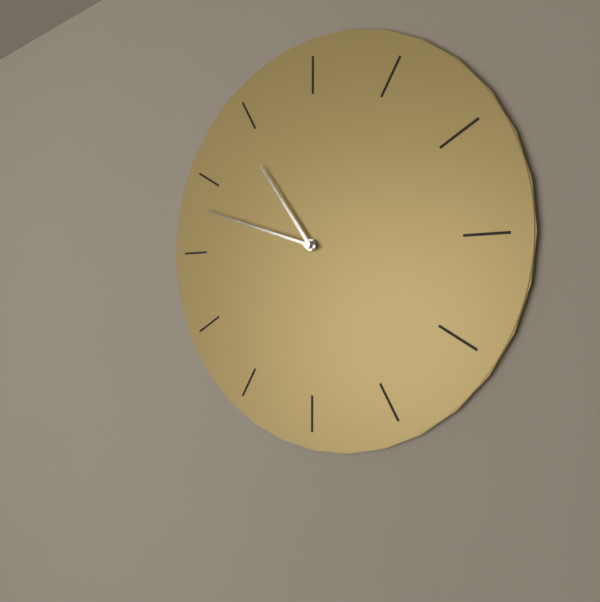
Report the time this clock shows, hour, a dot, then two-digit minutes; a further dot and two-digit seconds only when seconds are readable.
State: 10.48
